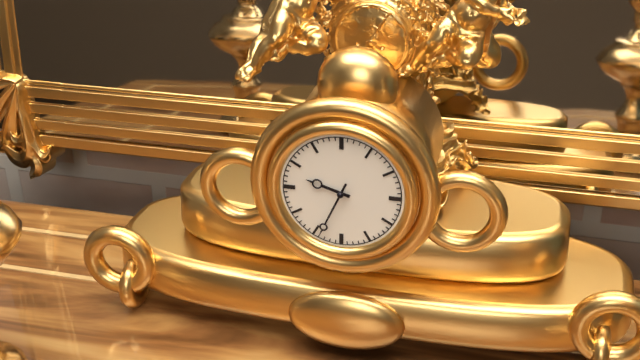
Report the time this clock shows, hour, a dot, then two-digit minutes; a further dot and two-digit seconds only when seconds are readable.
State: 9.34
